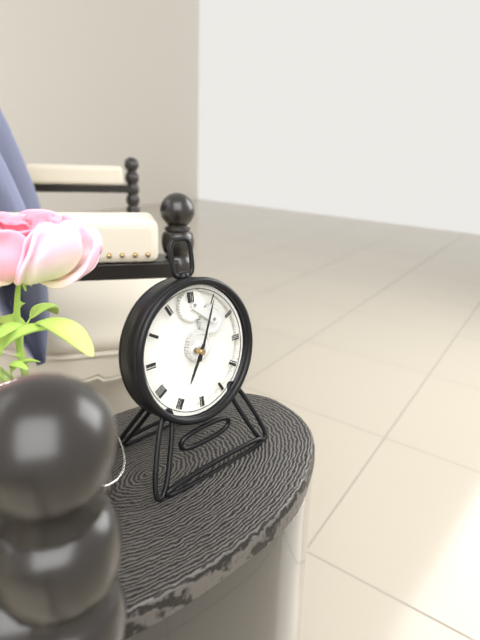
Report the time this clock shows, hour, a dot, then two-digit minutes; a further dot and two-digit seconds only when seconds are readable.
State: 7.04
